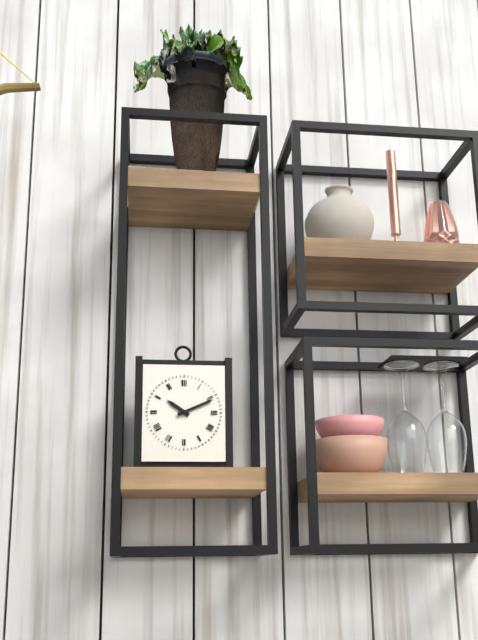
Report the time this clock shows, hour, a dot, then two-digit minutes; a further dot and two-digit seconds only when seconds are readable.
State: 10.11
